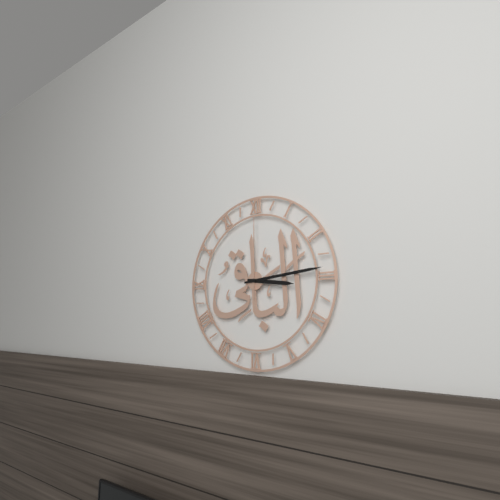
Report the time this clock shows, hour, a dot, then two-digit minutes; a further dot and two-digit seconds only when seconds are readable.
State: 3.14.00
